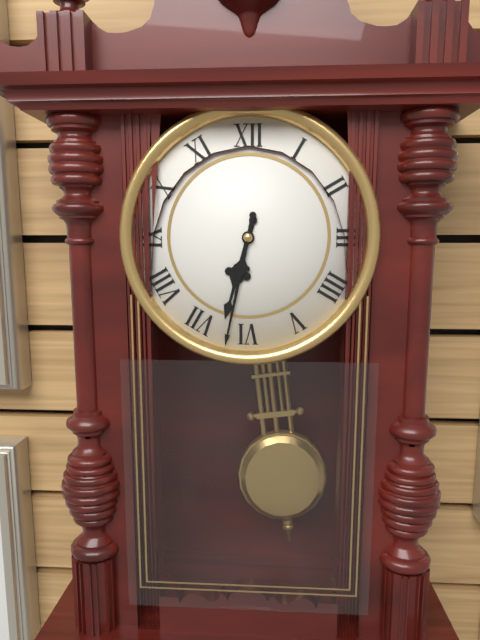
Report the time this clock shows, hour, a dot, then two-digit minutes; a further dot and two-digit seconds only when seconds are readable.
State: 6.32
